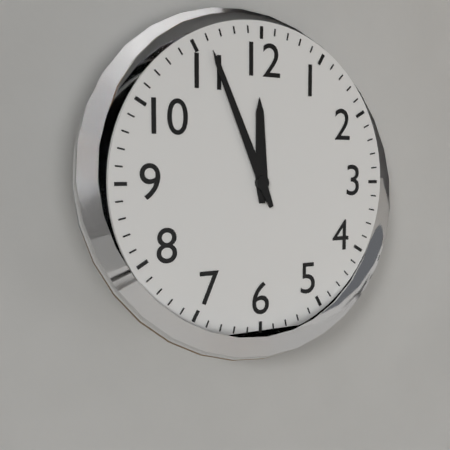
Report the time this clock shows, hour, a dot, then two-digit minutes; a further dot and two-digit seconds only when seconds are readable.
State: 11.56
